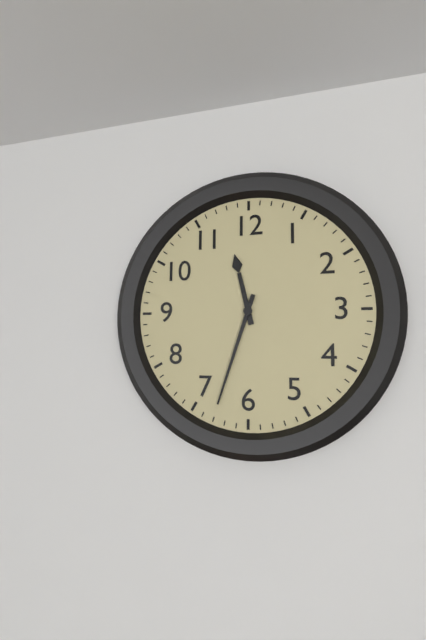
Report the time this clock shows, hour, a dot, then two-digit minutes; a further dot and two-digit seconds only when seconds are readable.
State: 11.33
